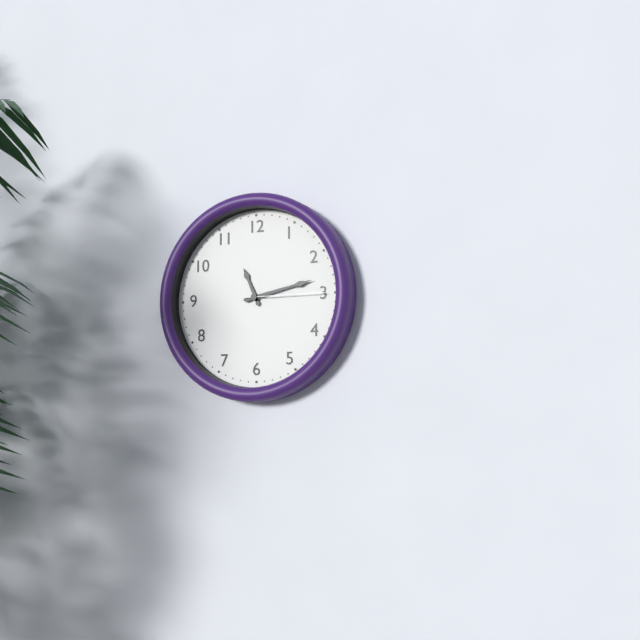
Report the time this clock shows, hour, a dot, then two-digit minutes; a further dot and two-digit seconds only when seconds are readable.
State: 11.13.15
